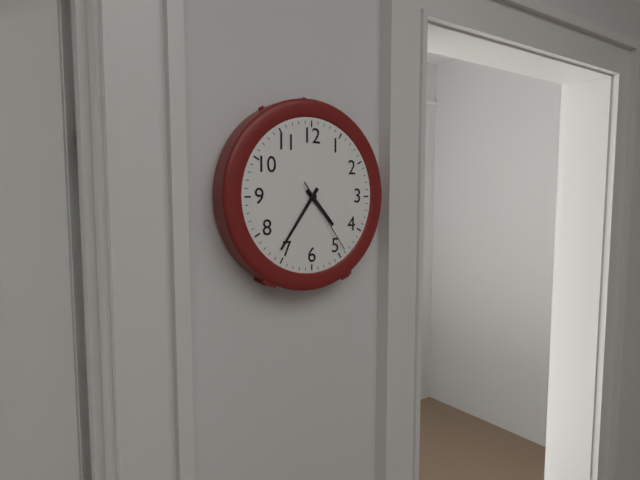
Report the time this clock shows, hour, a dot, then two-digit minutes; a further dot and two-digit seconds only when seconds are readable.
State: 4.36.24
